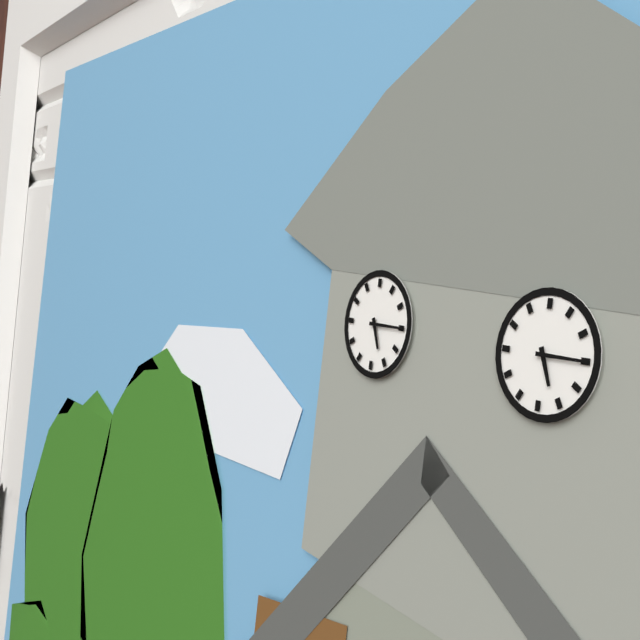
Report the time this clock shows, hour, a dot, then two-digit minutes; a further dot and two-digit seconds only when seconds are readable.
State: 5.15
